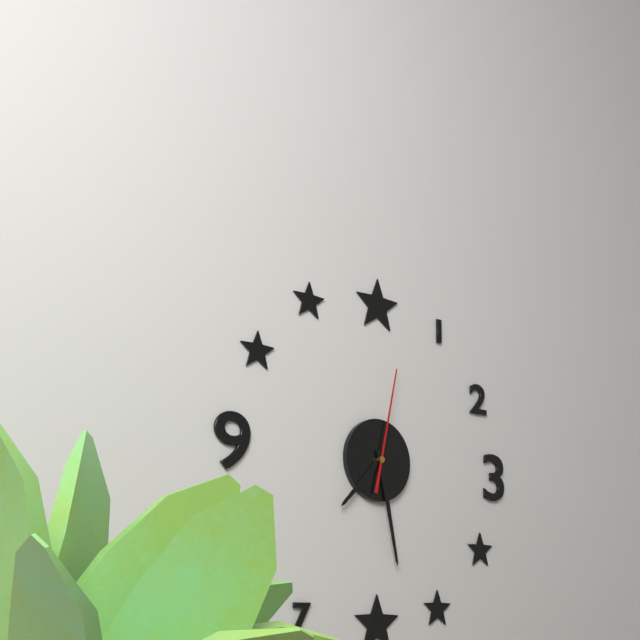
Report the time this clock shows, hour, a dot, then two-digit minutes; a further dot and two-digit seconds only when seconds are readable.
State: 7.28.02
